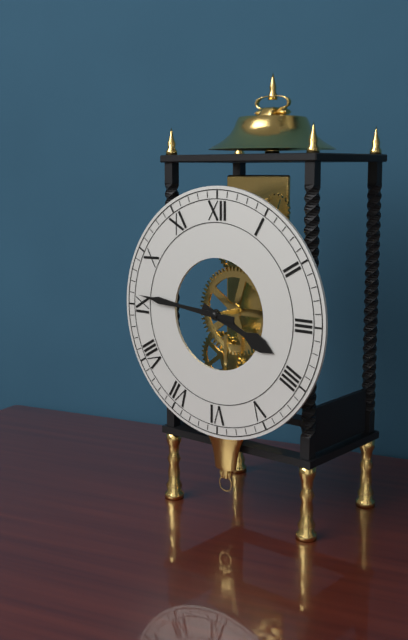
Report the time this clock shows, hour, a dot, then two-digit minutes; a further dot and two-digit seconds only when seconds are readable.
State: 3.46
